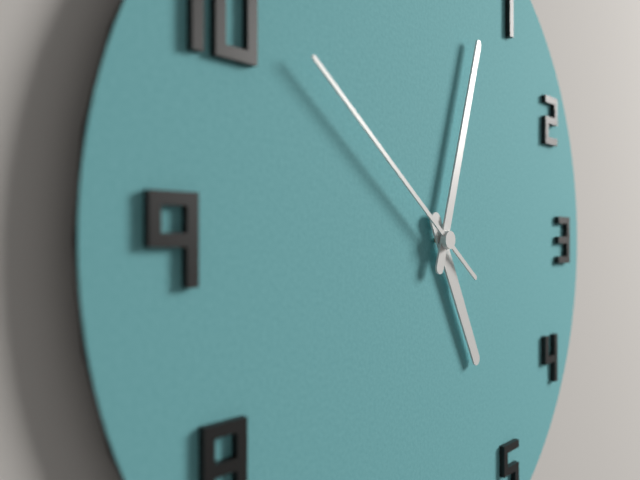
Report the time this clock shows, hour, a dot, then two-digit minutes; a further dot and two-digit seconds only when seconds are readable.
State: 5.03.51
